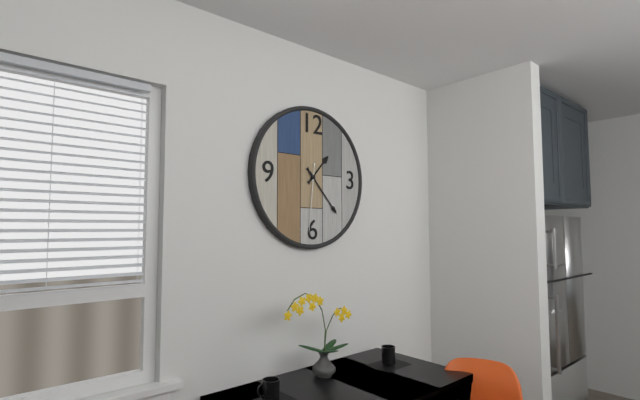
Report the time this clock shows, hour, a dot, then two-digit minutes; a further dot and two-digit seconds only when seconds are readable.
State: 1.23.31
